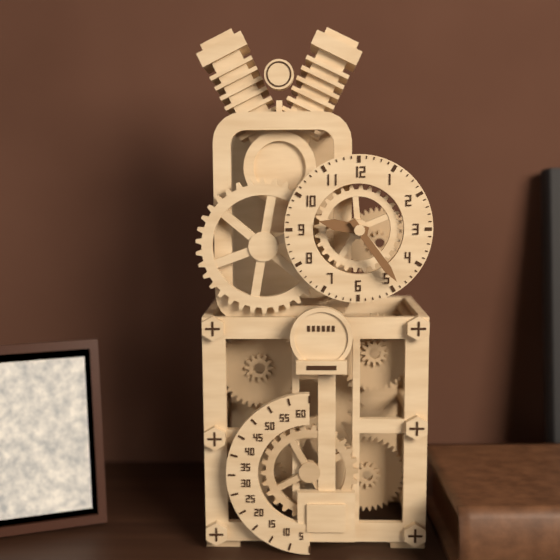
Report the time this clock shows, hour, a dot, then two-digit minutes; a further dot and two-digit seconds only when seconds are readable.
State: 9.24
